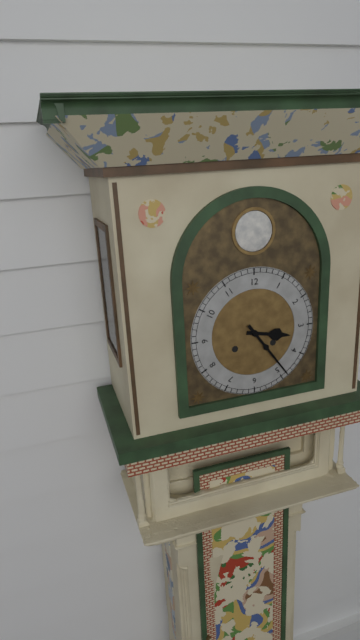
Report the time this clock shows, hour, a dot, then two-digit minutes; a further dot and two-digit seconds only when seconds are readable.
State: 3.24
